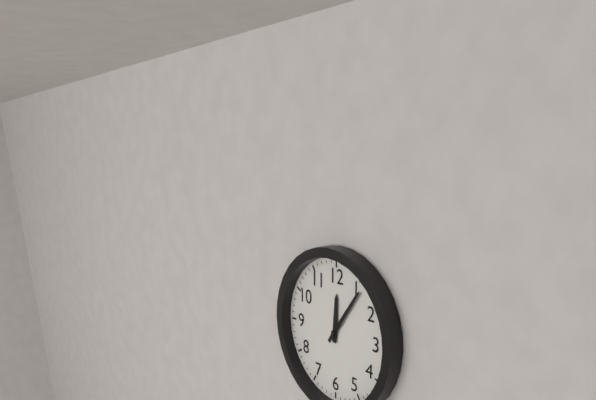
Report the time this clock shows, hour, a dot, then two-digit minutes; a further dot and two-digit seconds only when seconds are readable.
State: 12.06
